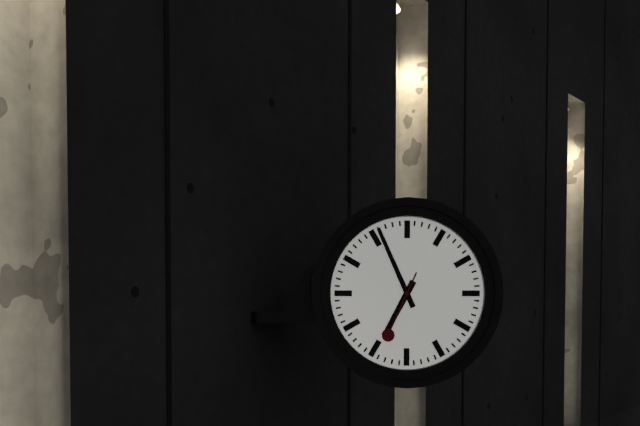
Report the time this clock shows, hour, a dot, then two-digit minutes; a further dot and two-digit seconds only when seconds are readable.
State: 6.56.34
